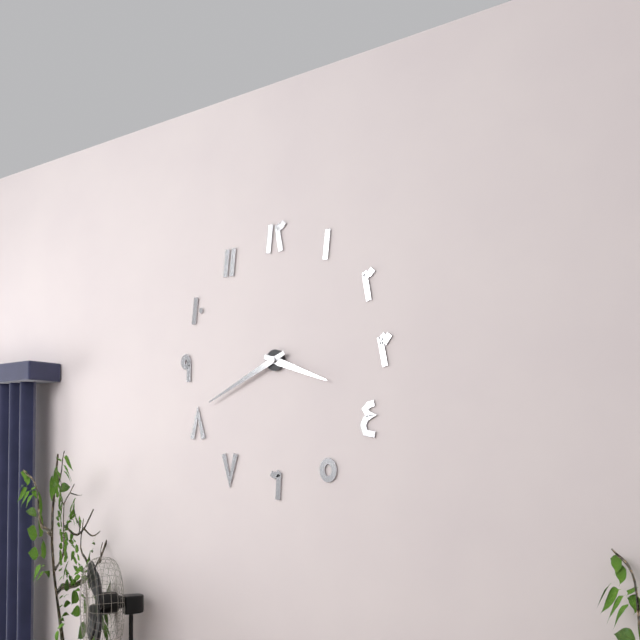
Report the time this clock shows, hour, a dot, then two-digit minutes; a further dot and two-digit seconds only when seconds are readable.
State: 3.41
